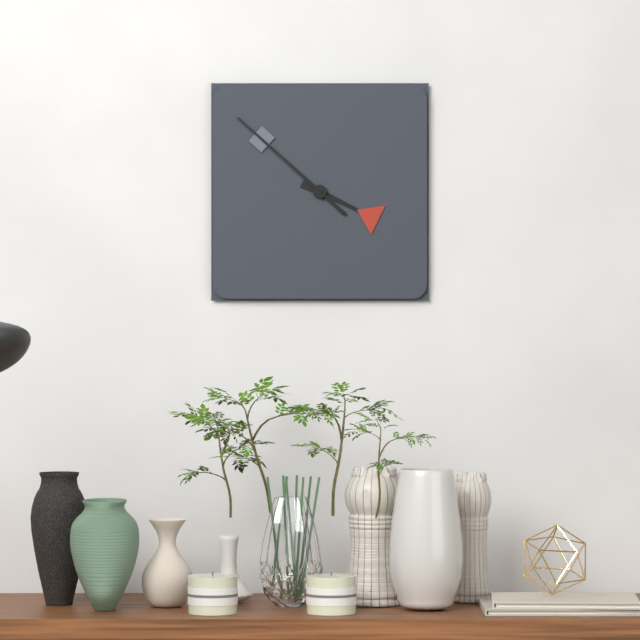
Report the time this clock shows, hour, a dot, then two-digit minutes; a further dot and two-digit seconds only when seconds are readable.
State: 3.52
